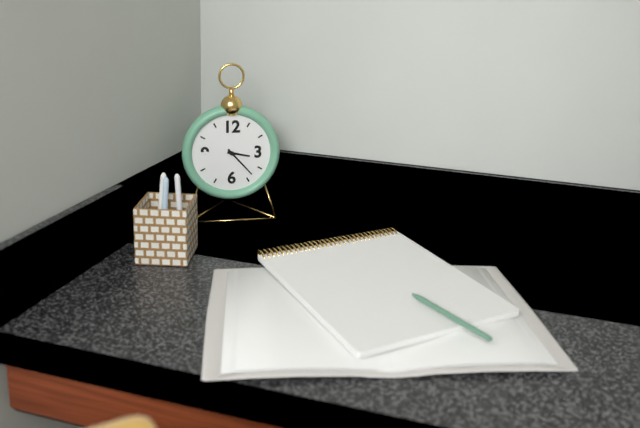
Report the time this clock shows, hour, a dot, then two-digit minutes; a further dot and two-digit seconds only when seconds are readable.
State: 3.23
